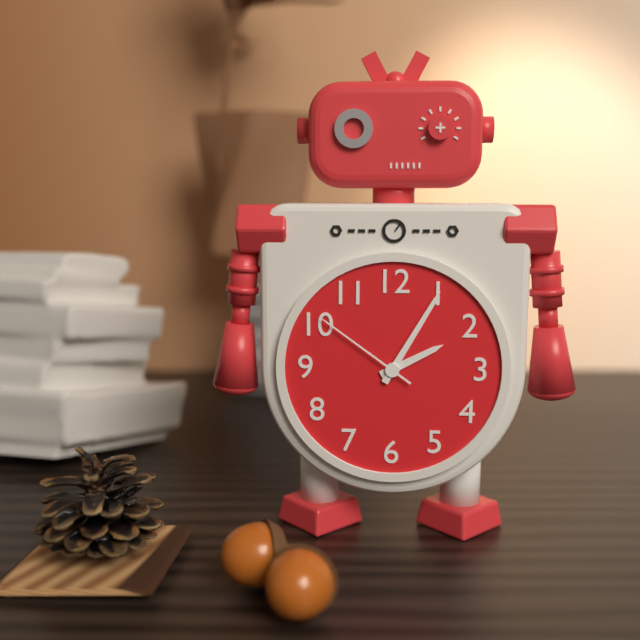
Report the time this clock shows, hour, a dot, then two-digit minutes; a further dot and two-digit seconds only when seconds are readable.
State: 2.05.51
